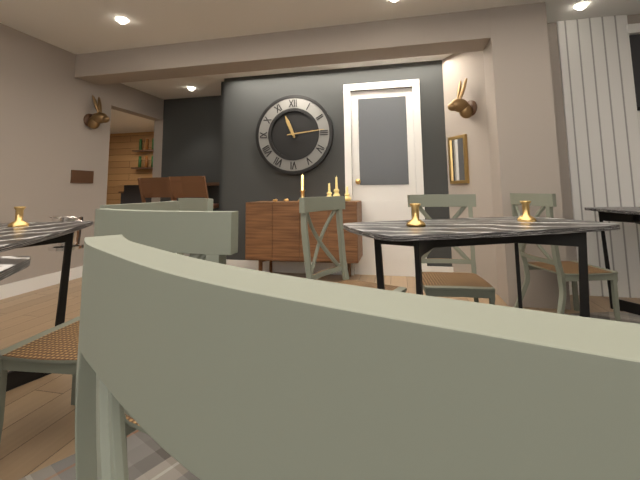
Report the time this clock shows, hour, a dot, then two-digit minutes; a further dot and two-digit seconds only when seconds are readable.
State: 11.14
